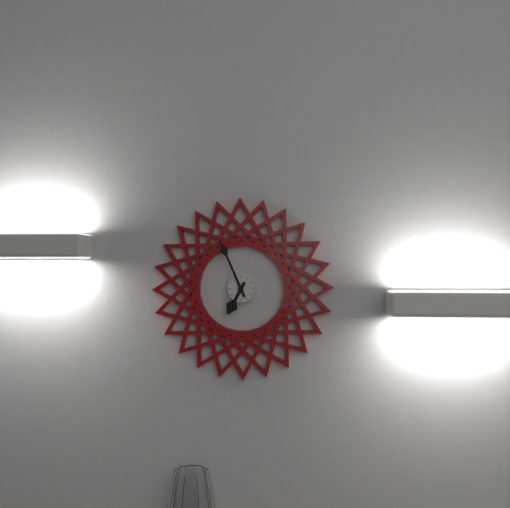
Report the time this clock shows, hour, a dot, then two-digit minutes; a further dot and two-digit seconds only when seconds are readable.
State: 6.56
